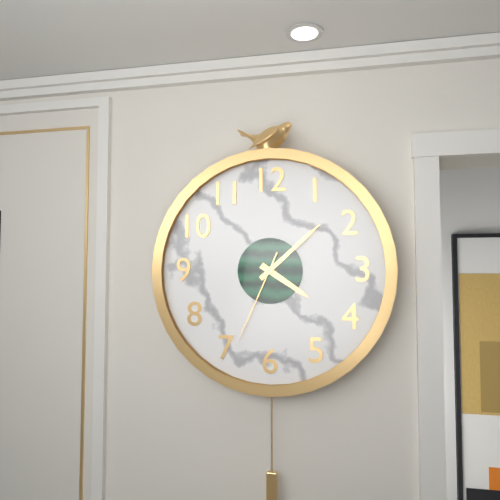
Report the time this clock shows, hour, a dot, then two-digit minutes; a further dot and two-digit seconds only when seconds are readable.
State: 4.08.34
